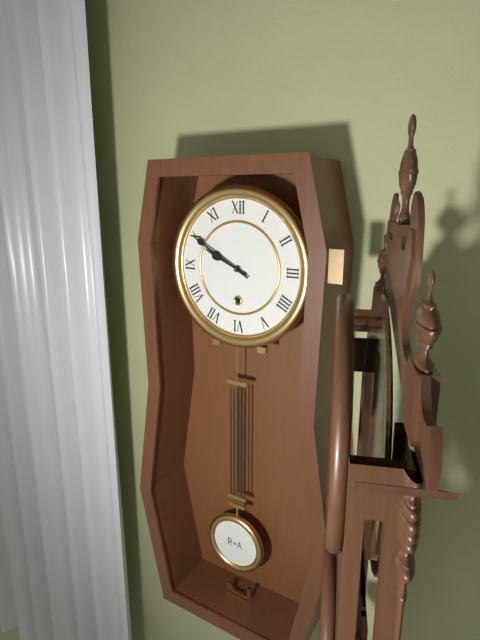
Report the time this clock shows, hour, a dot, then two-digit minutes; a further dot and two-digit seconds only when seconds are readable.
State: 9.50
